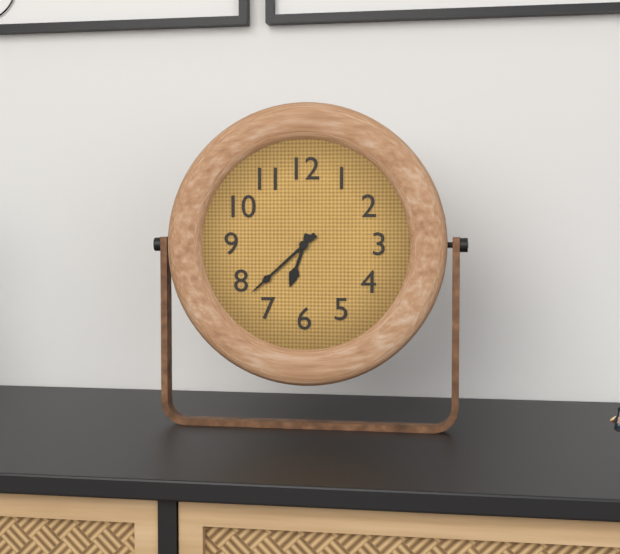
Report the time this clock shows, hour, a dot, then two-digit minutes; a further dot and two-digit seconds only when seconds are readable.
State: 6.38
